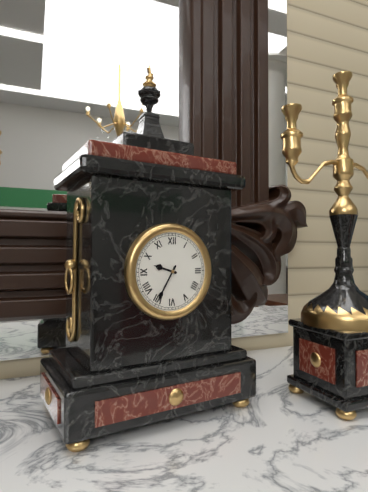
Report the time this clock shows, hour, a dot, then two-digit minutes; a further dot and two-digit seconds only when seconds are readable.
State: 9.35
